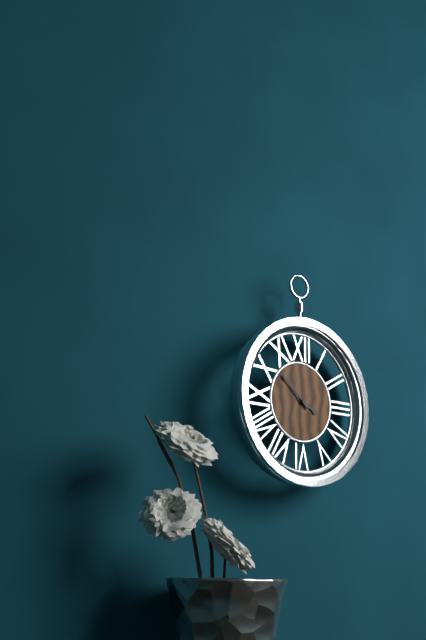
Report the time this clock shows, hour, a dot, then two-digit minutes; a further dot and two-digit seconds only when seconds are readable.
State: 3.52
